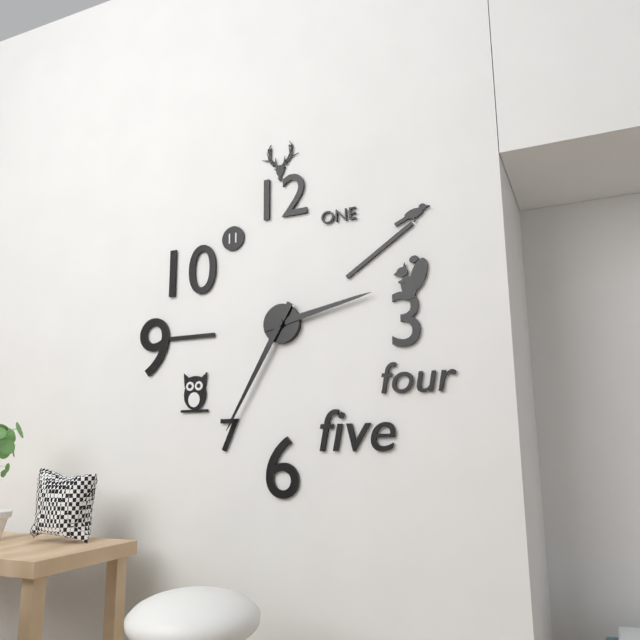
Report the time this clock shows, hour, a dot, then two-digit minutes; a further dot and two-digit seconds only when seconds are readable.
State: 2.35
